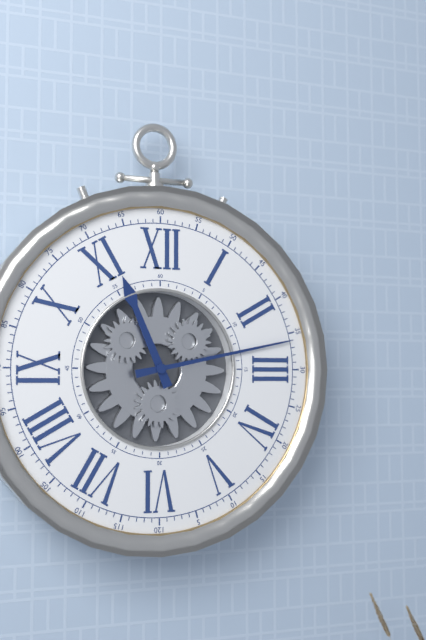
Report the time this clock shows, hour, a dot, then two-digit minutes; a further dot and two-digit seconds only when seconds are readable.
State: 11.13
